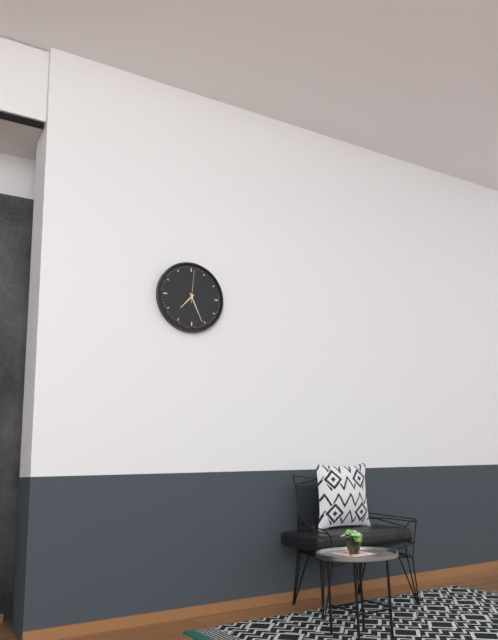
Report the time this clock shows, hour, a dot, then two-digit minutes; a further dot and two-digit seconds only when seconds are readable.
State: 7.26
